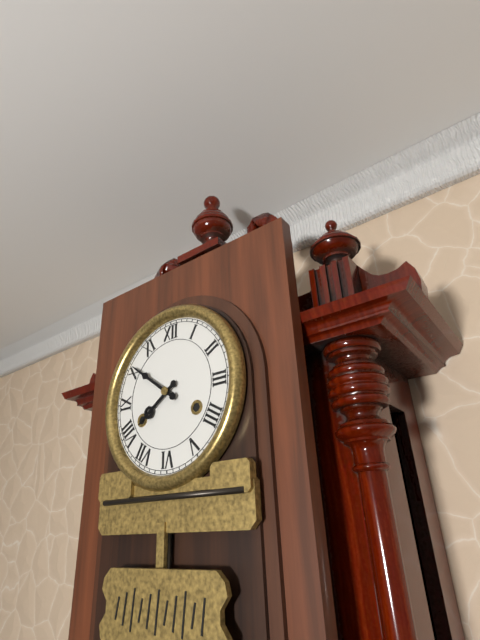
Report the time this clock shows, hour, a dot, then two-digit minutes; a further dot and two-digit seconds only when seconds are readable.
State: 7.51
